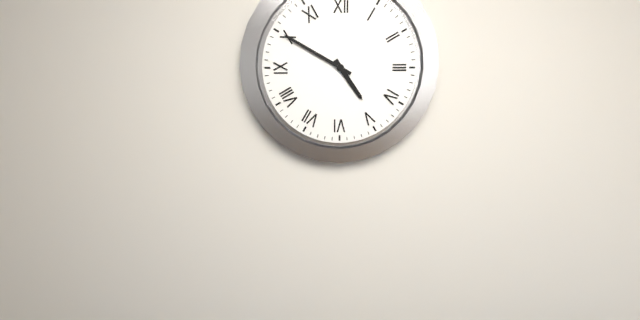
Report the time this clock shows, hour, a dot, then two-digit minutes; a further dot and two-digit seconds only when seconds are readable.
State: 4.50
